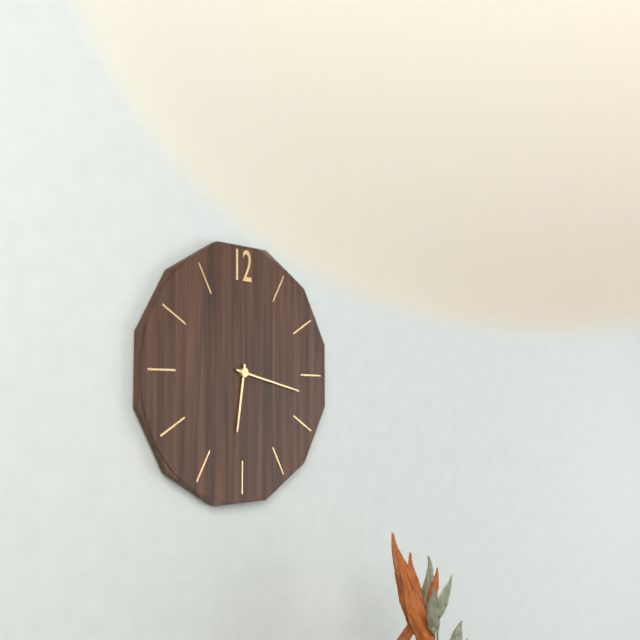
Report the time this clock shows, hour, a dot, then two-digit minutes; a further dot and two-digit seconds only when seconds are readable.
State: 6.17
